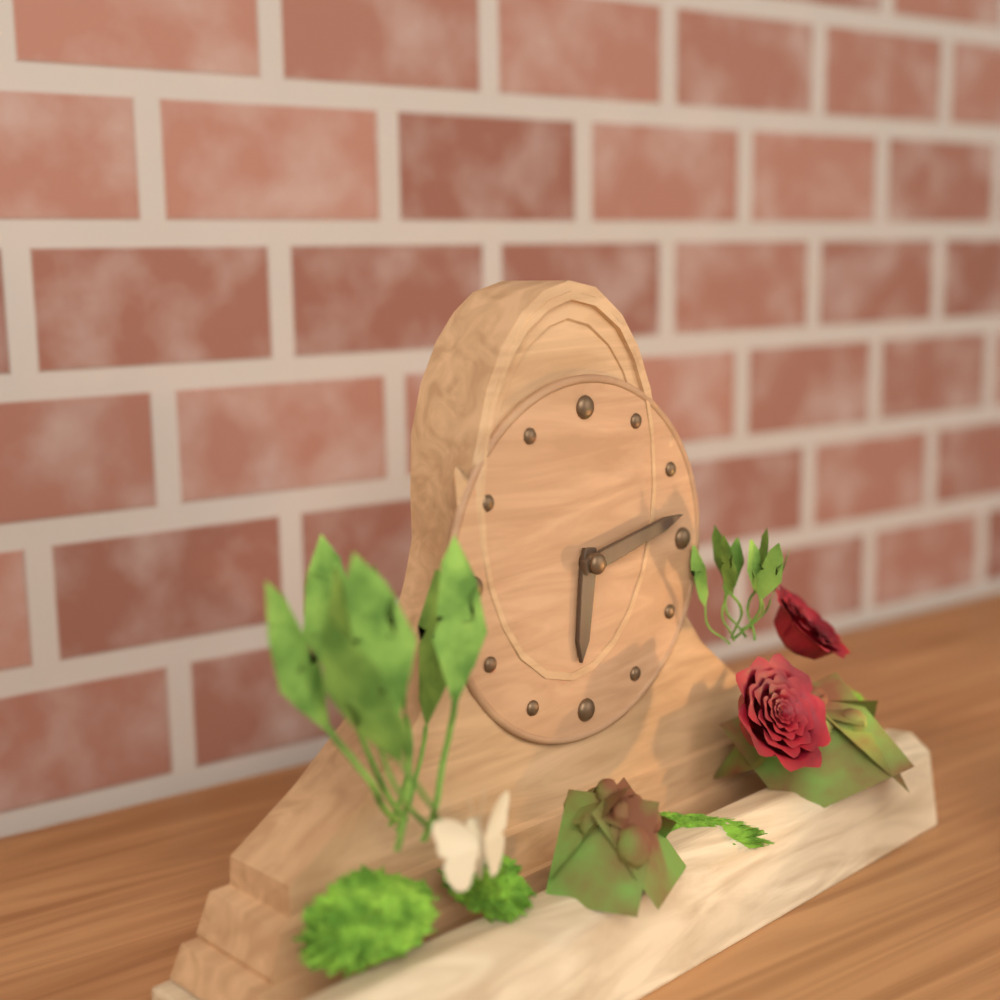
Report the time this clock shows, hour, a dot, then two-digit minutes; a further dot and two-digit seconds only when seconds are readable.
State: 6.13
